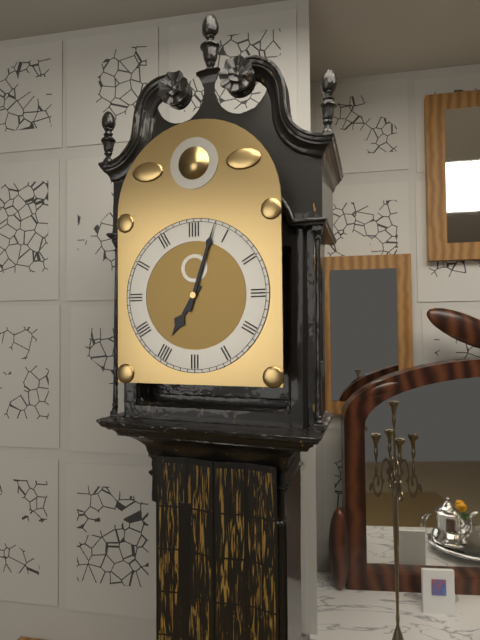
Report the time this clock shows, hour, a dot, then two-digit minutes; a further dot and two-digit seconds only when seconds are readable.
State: 7.03
